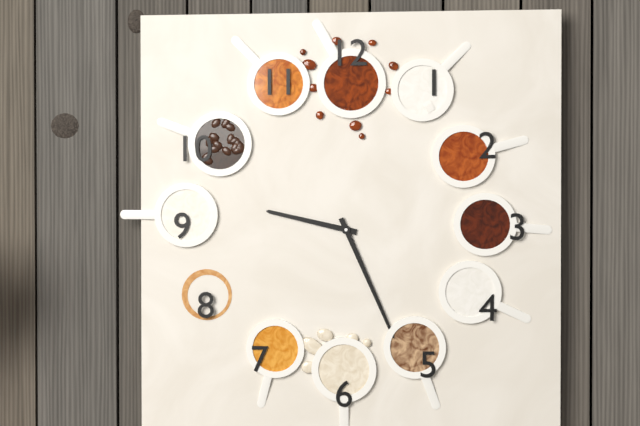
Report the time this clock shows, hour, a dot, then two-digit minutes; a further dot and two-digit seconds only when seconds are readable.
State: 9.26
